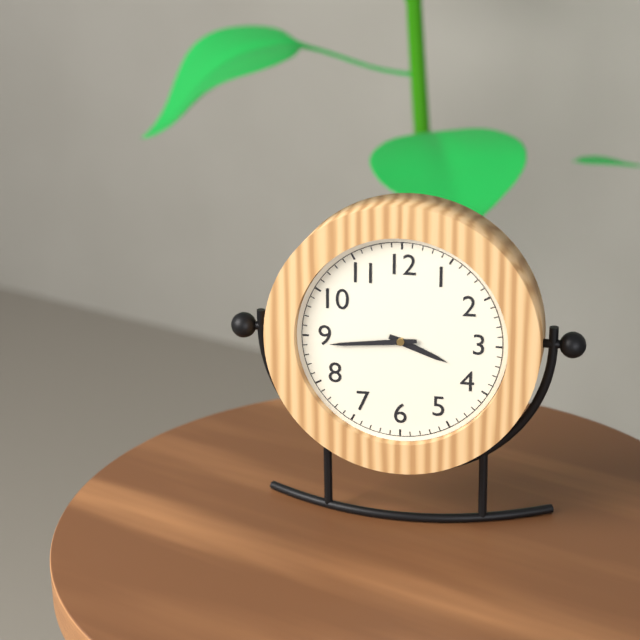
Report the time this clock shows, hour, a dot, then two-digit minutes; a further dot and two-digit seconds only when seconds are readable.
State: 3.44
